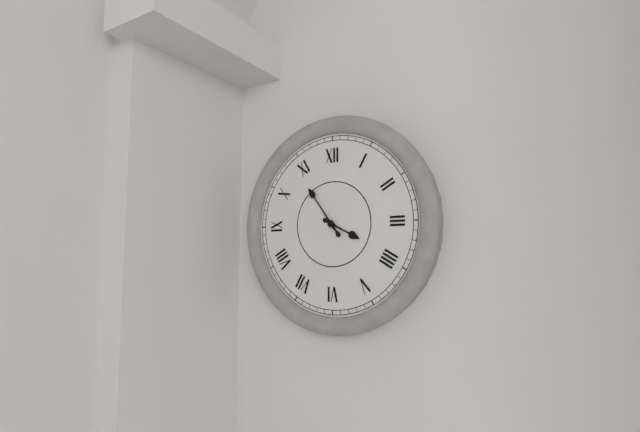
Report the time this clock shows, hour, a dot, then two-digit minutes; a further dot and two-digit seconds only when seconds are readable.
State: 3.54
